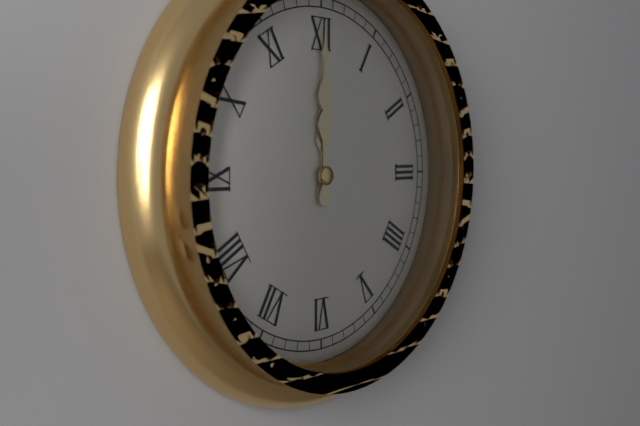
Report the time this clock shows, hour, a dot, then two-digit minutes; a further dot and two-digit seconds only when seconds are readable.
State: 12.00
